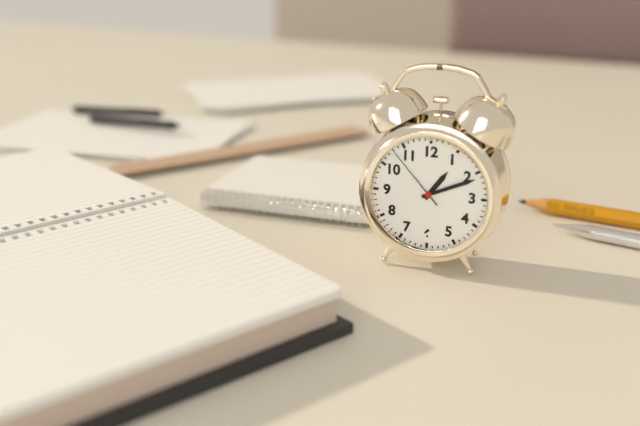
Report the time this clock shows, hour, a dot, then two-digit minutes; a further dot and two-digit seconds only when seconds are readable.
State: 1.11.53
